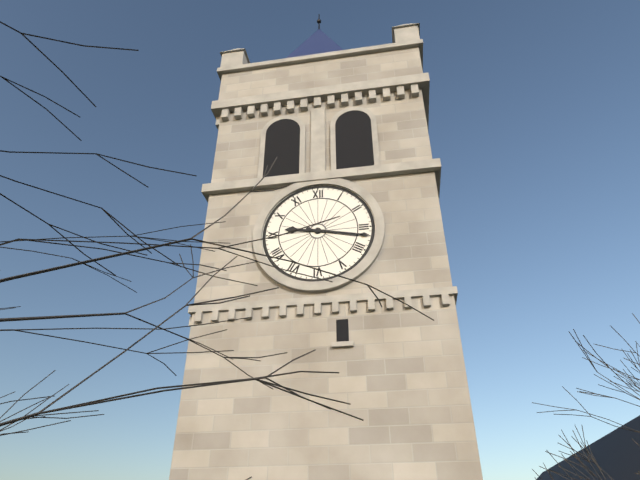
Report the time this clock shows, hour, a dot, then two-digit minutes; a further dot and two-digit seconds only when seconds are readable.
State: 9.17
